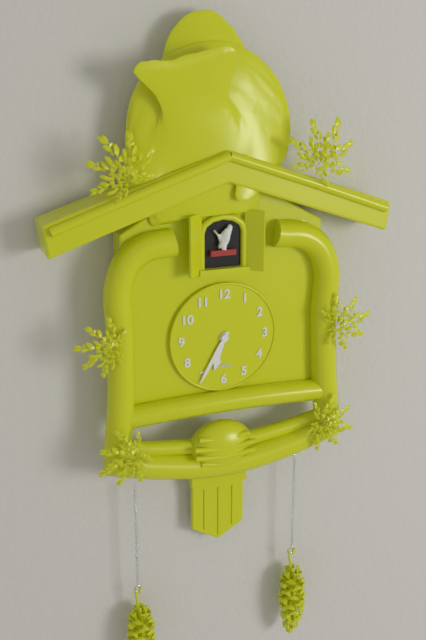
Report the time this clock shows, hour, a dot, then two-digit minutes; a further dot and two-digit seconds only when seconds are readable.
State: 6.35
